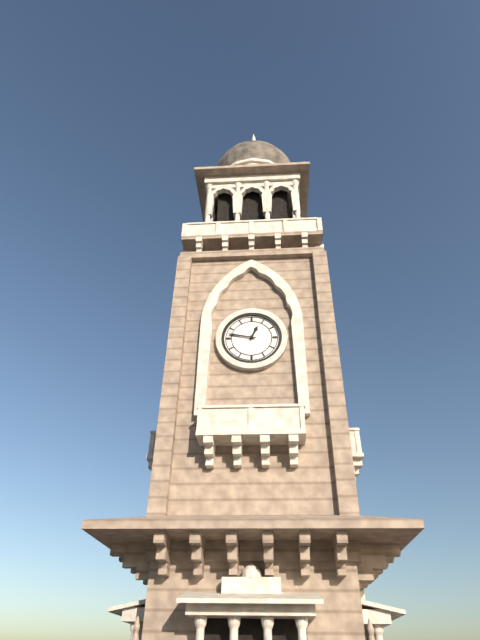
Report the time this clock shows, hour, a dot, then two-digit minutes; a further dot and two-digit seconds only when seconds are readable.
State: 12.47
